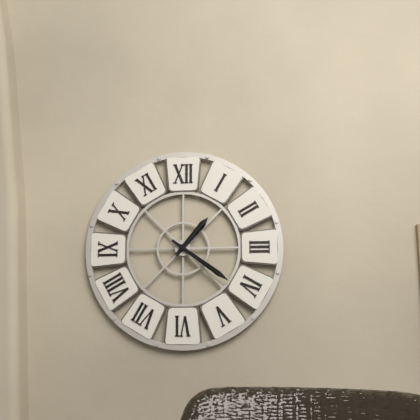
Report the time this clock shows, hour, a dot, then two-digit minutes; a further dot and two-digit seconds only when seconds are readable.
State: 1.21
